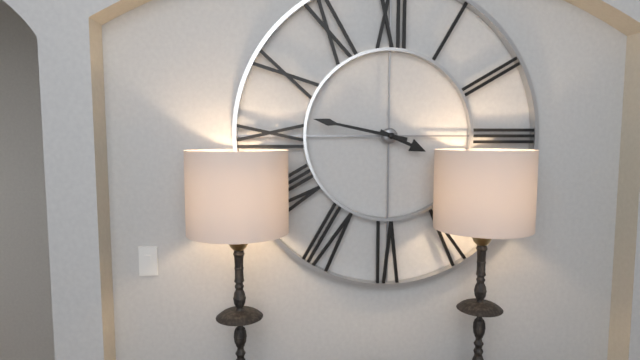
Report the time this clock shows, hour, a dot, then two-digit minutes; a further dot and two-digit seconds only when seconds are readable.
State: 3.47
